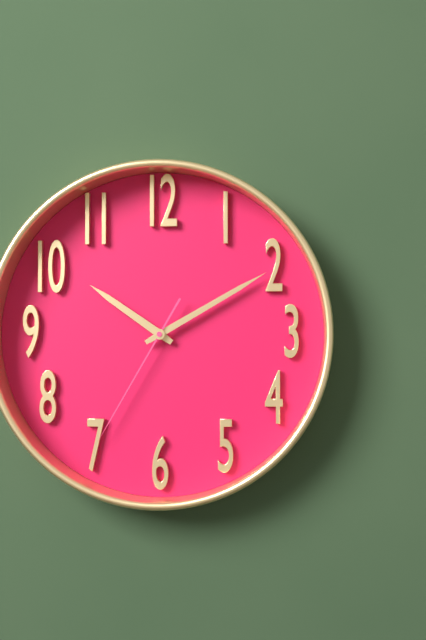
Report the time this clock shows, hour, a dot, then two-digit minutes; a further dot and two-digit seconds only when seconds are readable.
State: 10.10.35
